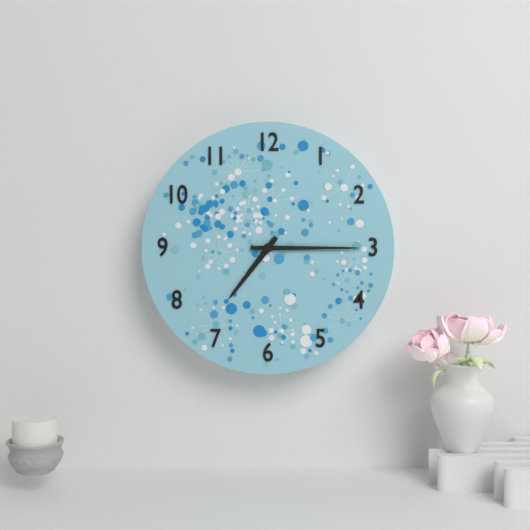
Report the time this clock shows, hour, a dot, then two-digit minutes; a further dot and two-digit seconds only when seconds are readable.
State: 7.15
